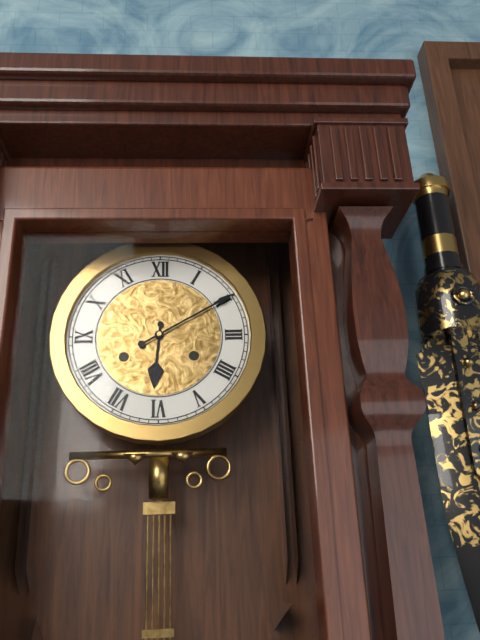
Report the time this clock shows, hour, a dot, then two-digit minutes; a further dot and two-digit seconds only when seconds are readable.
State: 6.10
